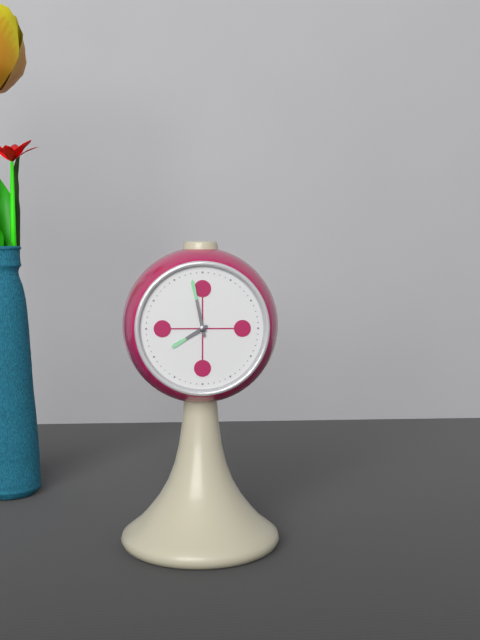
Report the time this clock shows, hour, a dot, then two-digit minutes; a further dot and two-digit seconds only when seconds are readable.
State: 7.58
